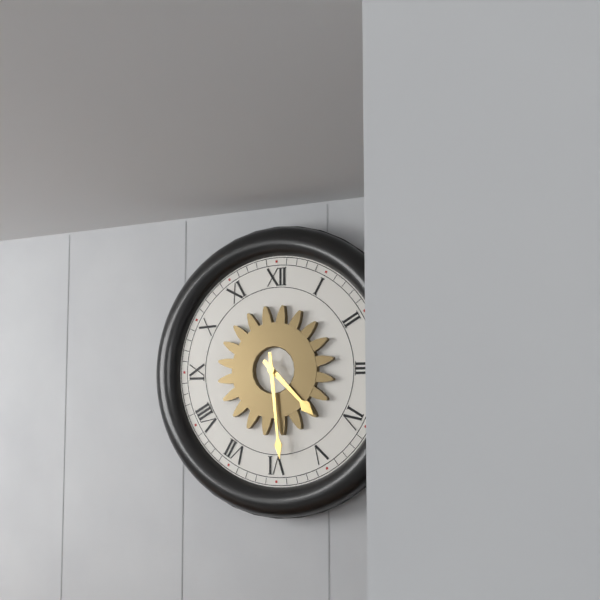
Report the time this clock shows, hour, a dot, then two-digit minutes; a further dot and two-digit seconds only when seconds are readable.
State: 4.29
